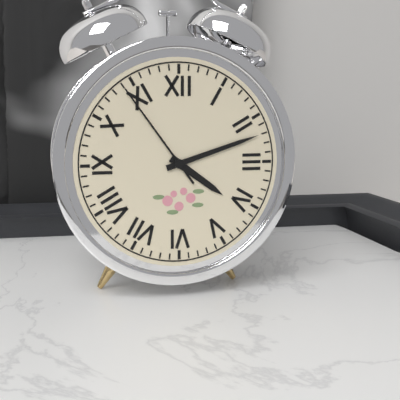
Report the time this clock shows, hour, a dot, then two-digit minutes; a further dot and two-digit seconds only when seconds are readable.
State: 4.12.54
